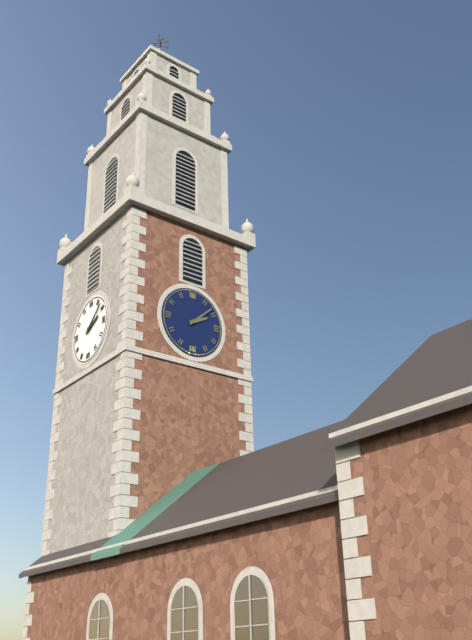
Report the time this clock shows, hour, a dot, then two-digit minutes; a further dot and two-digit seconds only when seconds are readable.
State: 2.08
